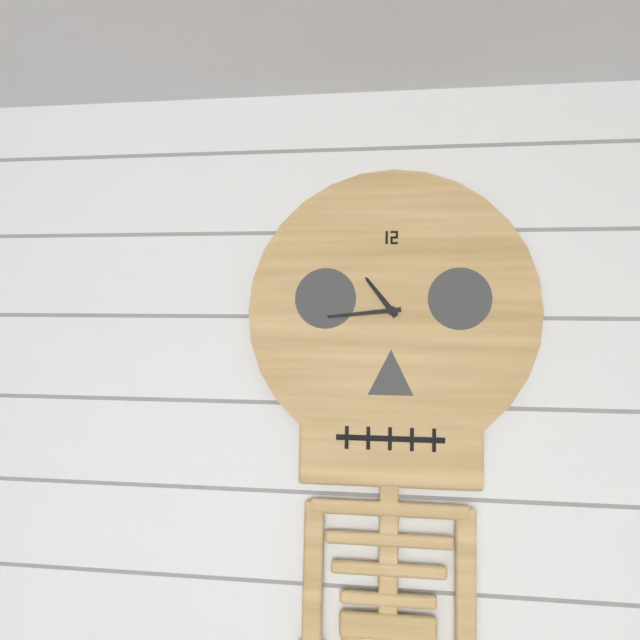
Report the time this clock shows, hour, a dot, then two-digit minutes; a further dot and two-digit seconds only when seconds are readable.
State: 10.44
